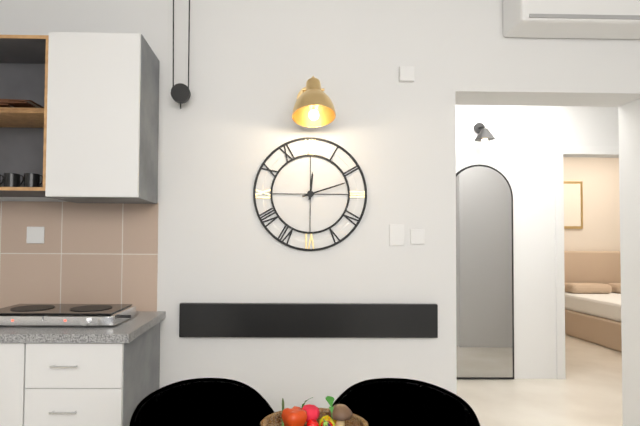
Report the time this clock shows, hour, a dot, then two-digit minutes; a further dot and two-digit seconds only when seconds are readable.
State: 12.12
